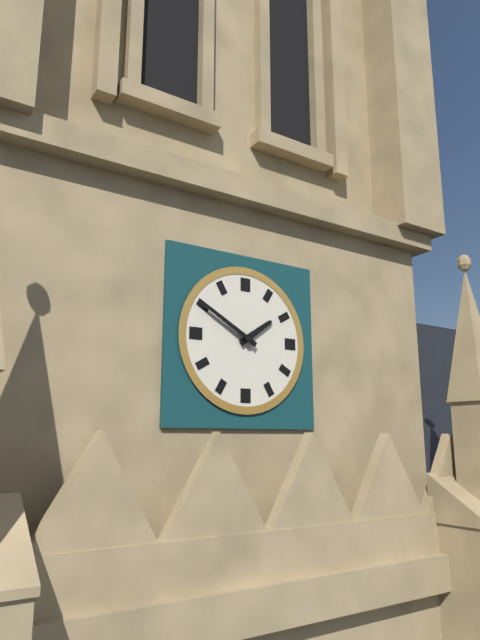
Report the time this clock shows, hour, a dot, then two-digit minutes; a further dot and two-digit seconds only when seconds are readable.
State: 1.50
